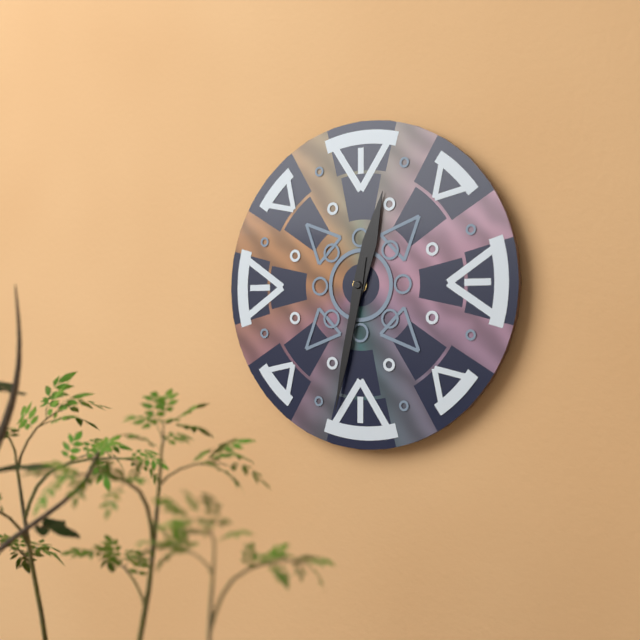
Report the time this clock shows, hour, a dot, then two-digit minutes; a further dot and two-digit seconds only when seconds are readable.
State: 12.32
